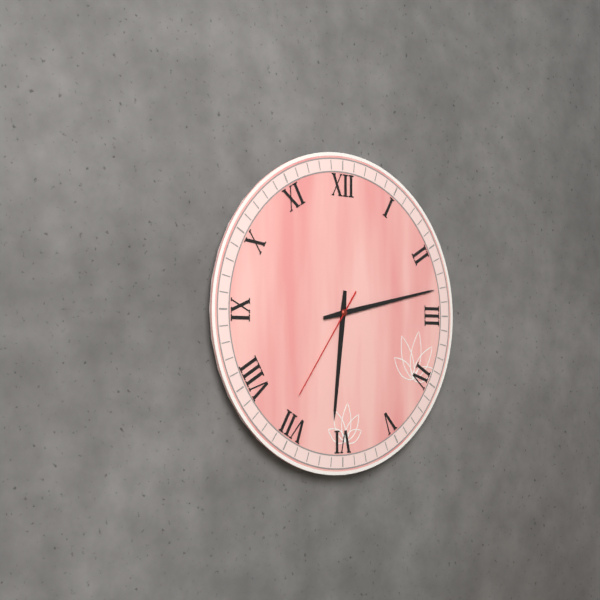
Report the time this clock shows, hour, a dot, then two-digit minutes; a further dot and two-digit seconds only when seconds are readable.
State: 6.13.36
